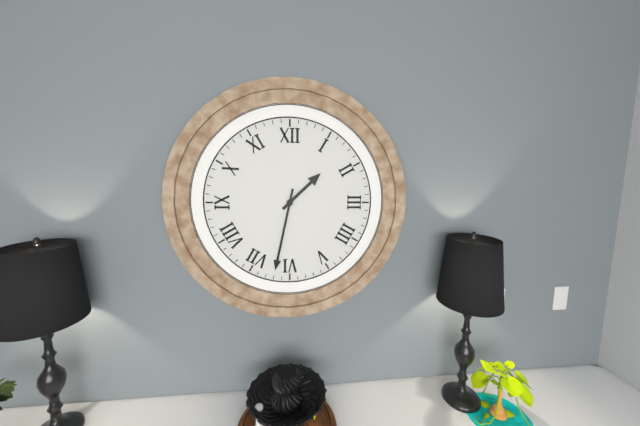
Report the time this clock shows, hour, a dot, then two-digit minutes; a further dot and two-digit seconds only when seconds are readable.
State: 1.32
